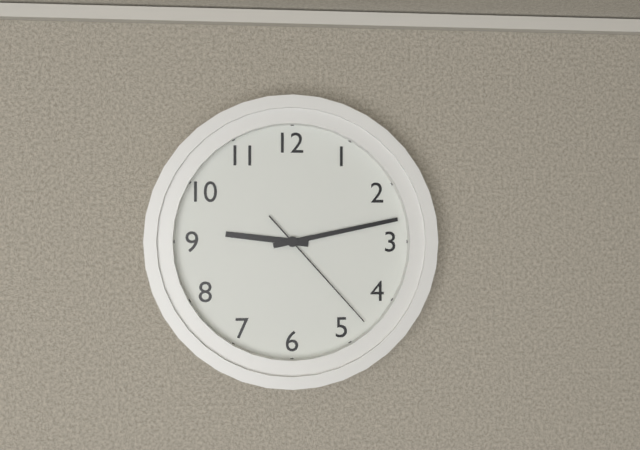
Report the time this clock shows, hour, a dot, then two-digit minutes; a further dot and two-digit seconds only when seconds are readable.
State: 9.13.23
